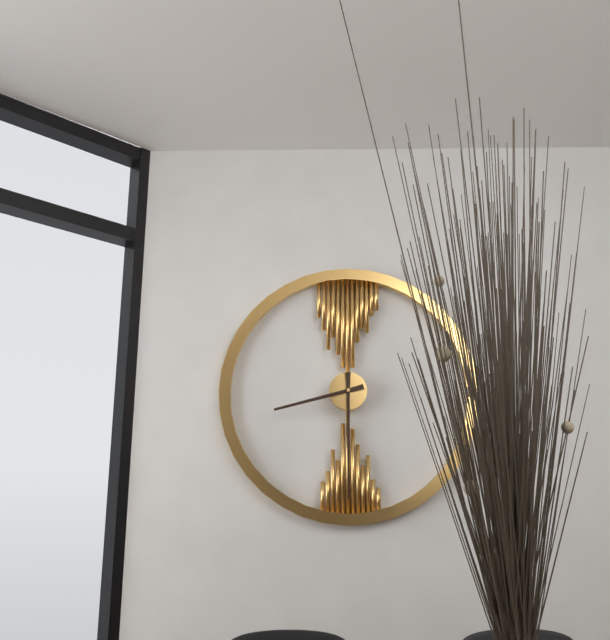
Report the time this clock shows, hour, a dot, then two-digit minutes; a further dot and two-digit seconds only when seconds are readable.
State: 8.30
